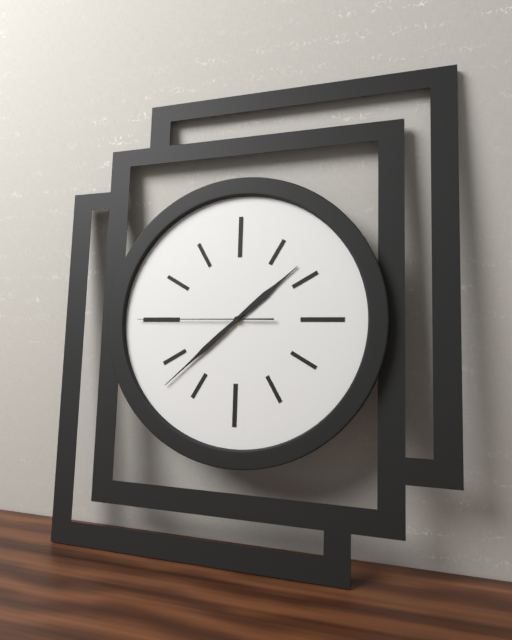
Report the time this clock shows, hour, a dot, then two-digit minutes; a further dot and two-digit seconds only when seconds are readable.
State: 1.38.45
